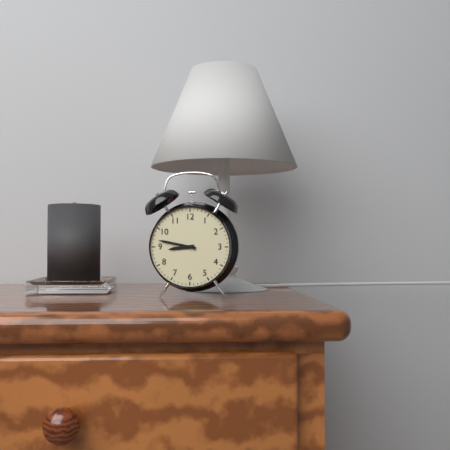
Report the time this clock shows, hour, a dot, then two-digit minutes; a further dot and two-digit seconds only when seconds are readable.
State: 8.47
